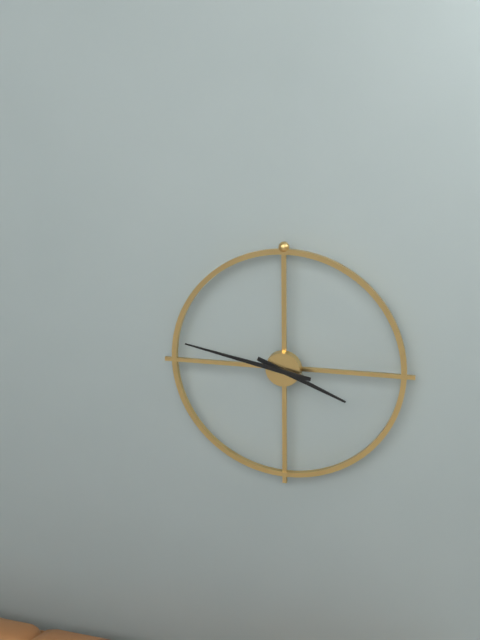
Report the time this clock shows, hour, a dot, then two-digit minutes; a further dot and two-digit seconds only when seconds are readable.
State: 3.47
